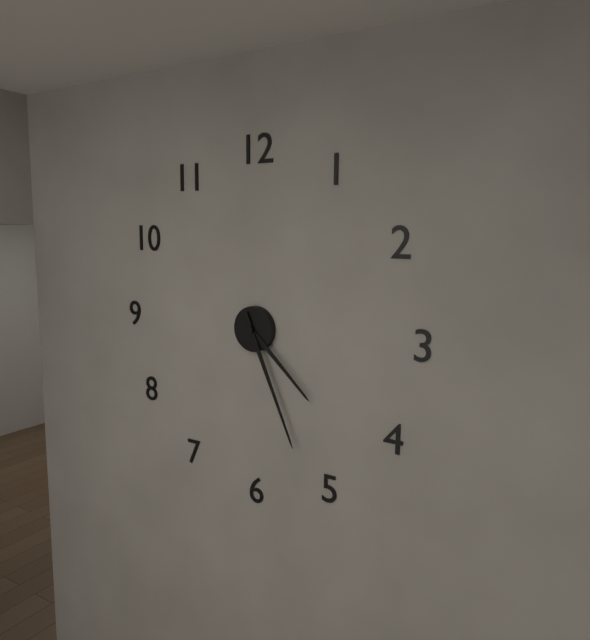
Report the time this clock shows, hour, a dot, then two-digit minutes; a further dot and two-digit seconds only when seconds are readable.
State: 4.26
